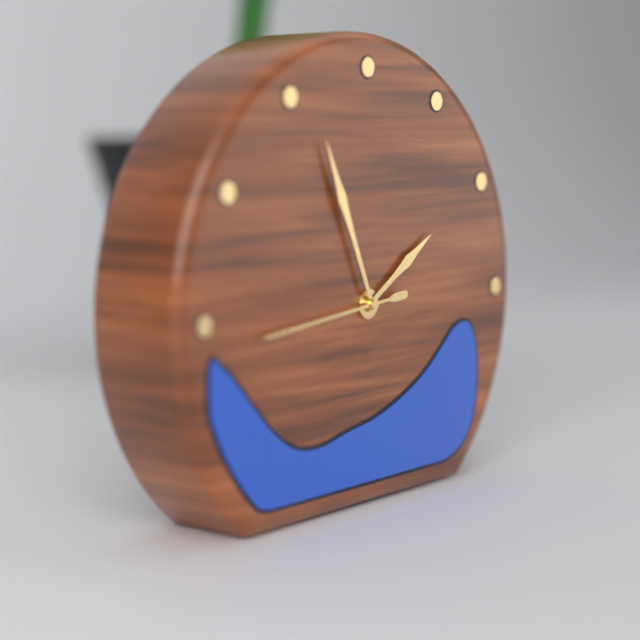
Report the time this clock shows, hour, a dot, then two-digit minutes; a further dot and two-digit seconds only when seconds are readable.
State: 1.56.44
